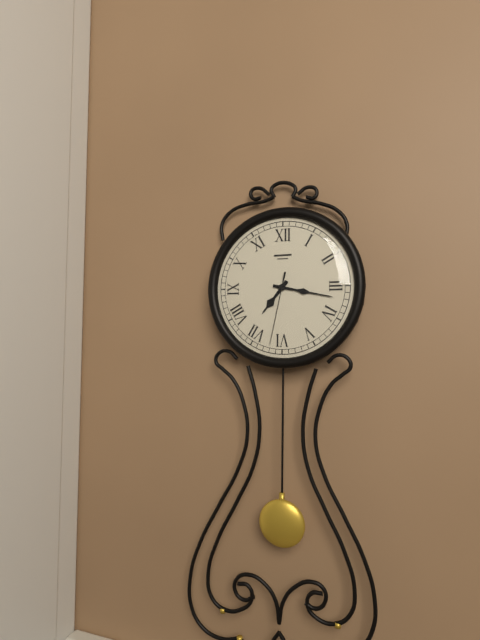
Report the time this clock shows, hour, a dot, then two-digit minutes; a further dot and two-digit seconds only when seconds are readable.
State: 7.17.32
